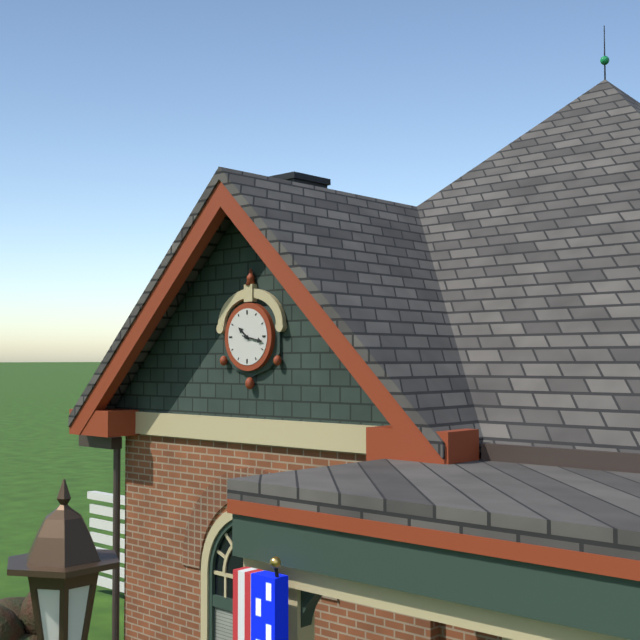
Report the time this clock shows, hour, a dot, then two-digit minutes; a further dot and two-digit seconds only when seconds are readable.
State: 10.17
